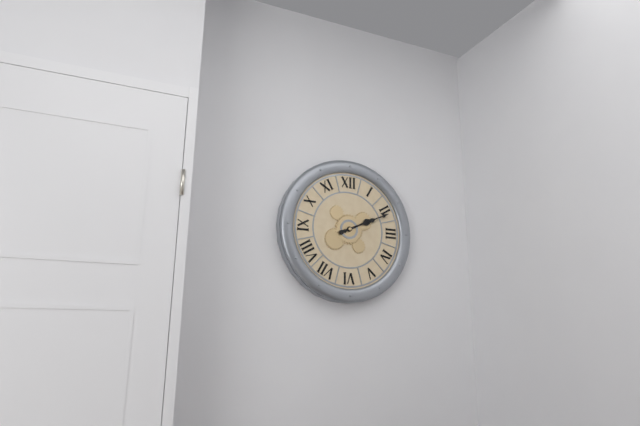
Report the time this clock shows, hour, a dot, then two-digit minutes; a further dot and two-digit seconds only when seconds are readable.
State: 2.11
